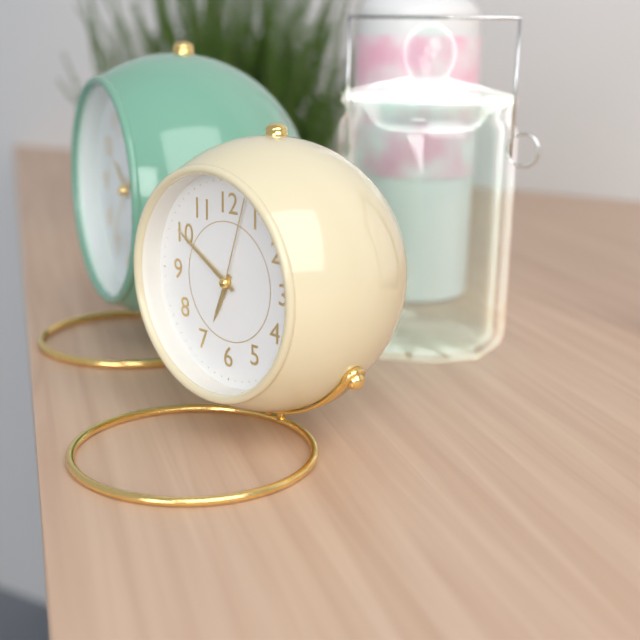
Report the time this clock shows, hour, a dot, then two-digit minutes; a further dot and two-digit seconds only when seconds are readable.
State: 6.50.03
